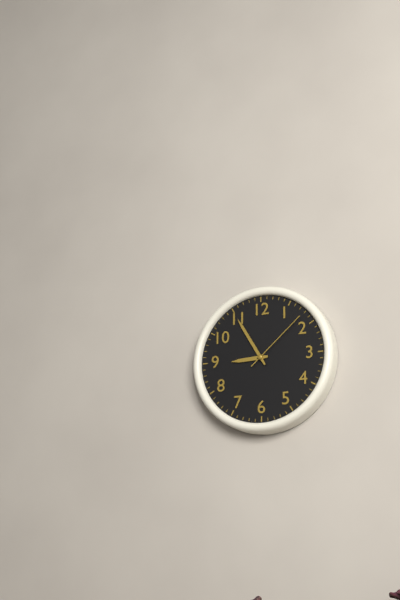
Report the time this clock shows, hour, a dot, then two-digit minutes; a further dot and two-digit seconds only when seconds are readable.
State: 8.55.08
